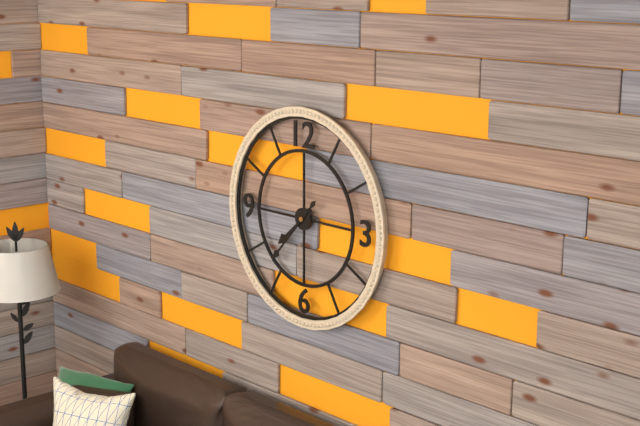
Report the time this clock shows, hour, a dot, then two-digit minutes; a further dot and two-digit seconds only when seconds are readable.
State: 7.37
